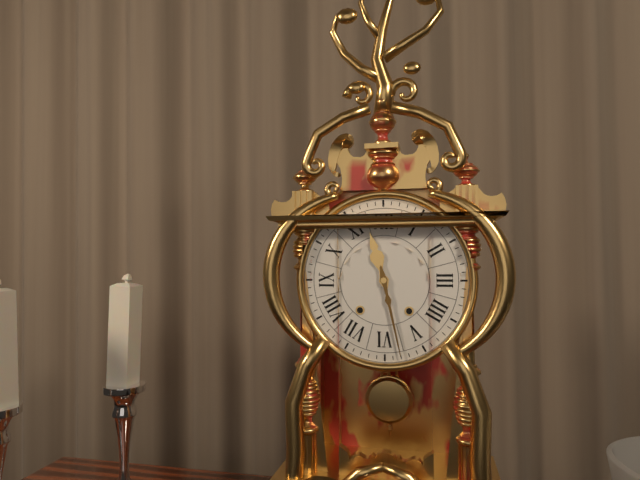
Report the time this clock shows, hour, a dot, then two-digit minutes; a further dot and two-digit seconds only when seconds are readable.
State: 11.28
